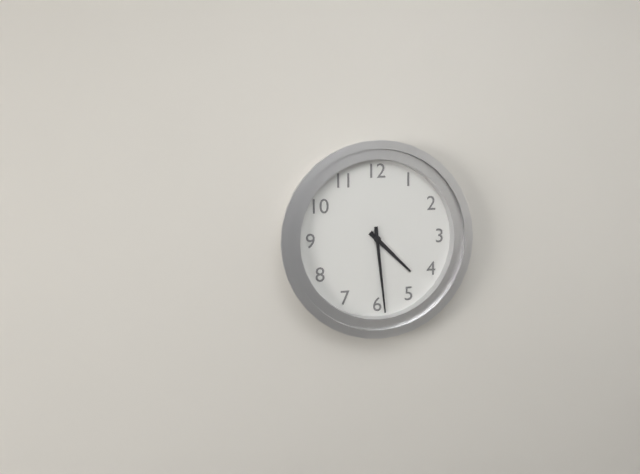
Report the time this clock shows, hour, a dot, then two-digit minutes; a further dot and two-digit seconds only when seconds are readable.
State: 4.29
